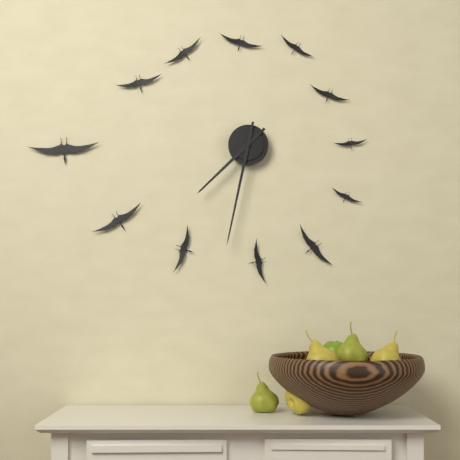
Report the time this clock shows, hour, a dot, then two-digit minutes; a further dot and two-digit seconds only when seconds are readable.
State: 7.32
